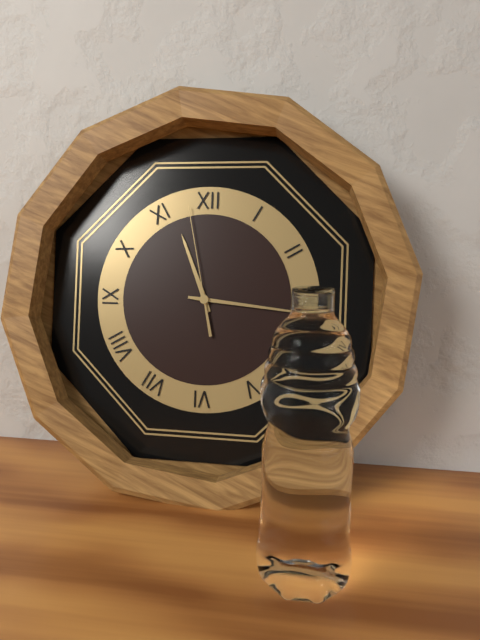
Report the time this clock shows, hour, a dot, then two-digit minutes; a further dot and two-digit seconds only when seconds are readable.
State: 11.16.58
